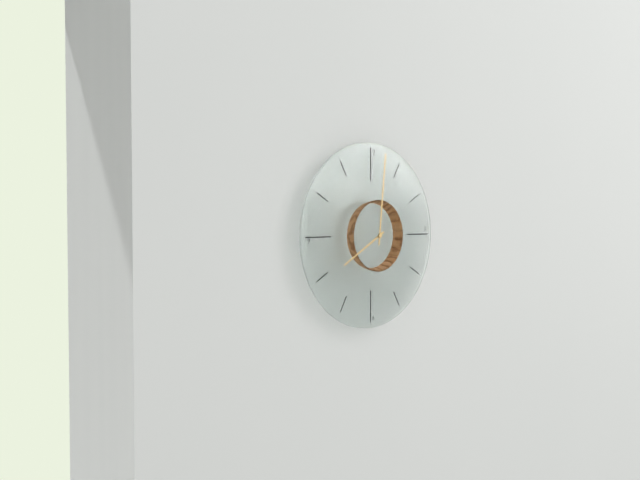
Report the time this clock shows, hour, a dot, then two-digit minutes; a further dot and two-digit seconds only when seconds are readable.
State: 8.01
